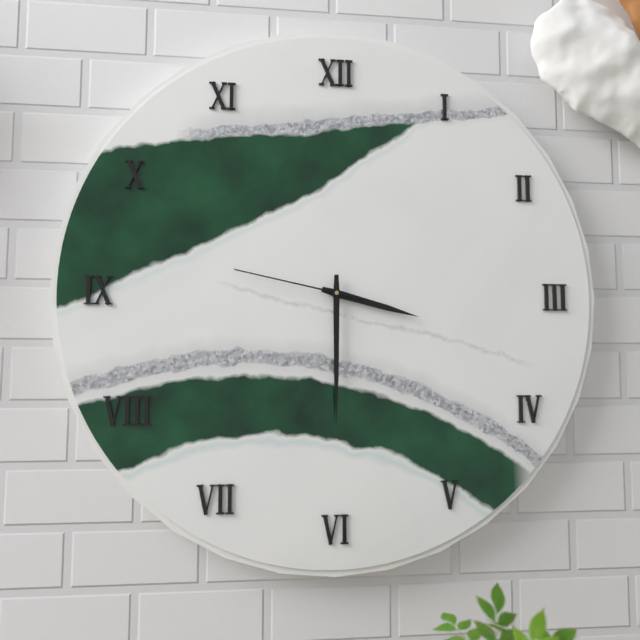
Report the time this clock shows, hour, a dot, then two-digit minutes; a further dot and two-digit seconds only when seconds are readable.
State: 3.30.47
